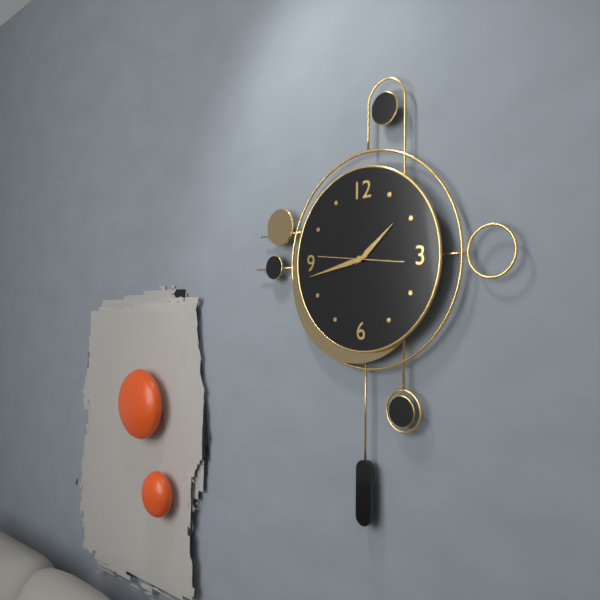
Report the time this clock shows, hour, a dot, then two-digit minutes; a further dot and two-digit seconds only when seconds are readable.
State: 1.43.46
